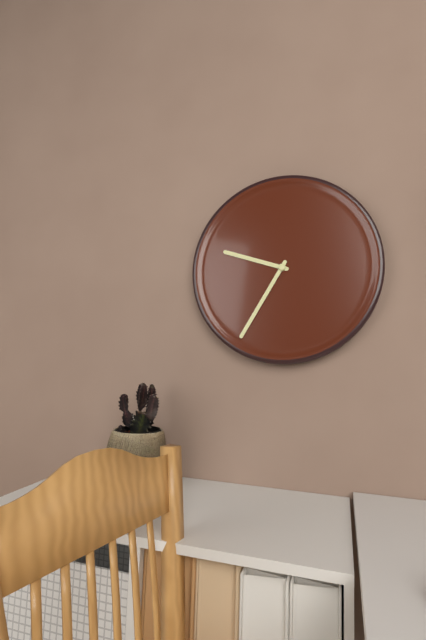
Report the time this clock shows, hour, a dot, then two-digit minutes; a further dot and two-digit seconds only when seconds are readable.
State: 9.35
